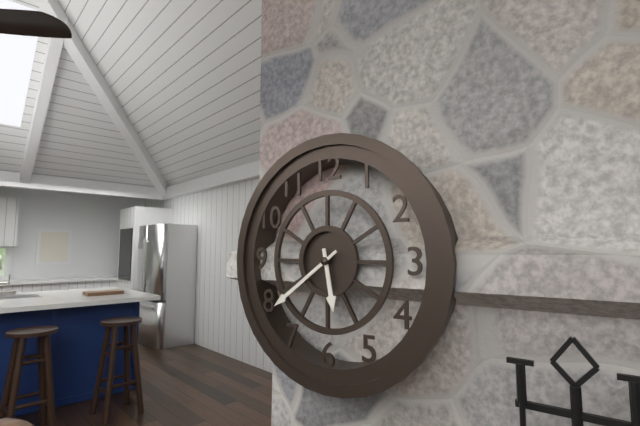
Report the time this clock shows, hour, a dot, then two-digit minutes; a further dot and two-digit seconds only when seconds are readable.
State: 5.39
